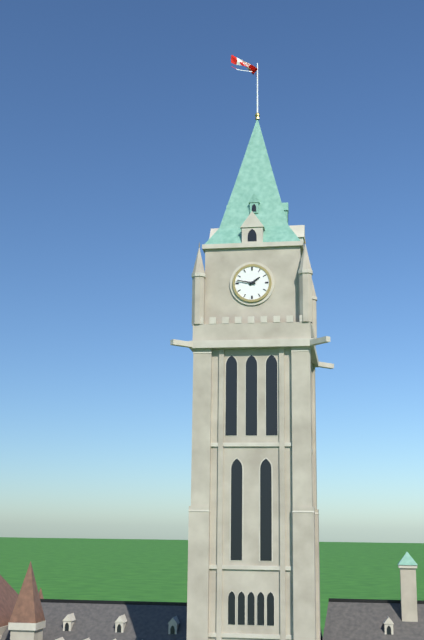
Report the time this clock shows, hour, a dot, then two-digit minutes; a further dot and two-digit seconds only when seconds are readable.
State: 1.47
